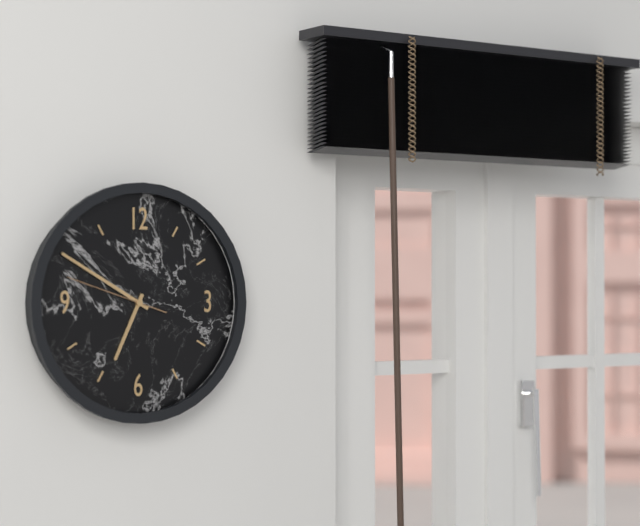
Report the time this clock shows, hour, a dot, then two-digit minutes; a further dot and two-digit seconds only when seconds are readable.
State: 6.50.48
